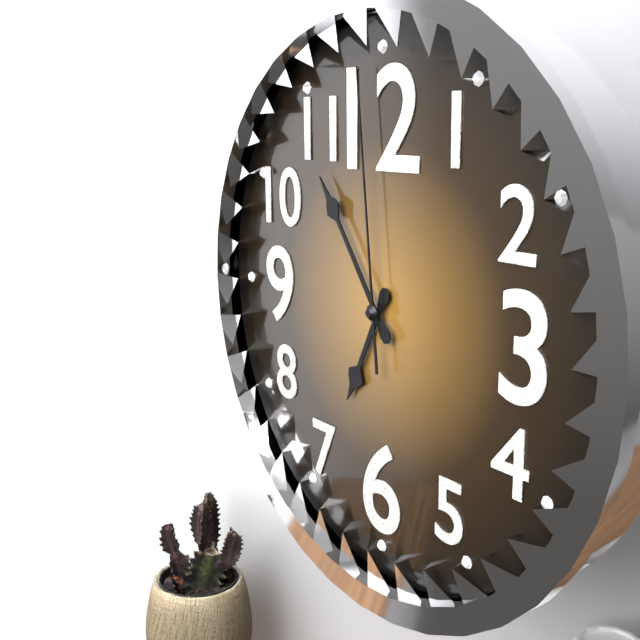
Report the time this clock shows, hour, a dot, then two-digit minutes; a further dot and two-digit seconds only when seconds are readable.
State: 6.54.59
